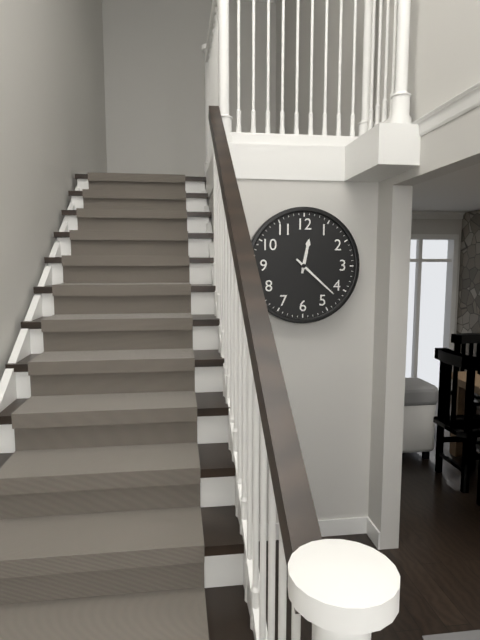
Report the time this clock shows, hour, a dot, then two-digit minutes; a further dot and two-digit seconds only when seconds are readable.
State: 12.22
